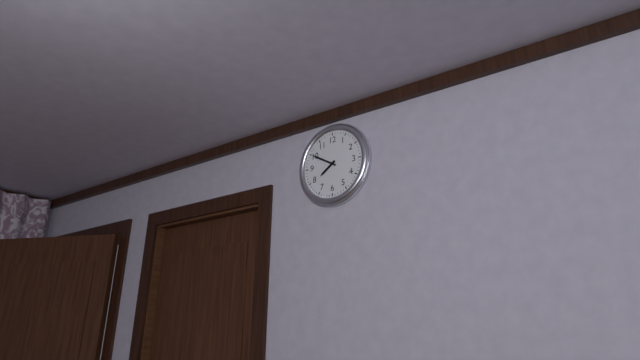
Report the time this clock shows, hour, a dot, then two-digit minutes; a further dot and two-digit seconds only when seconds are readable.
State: 7.50
